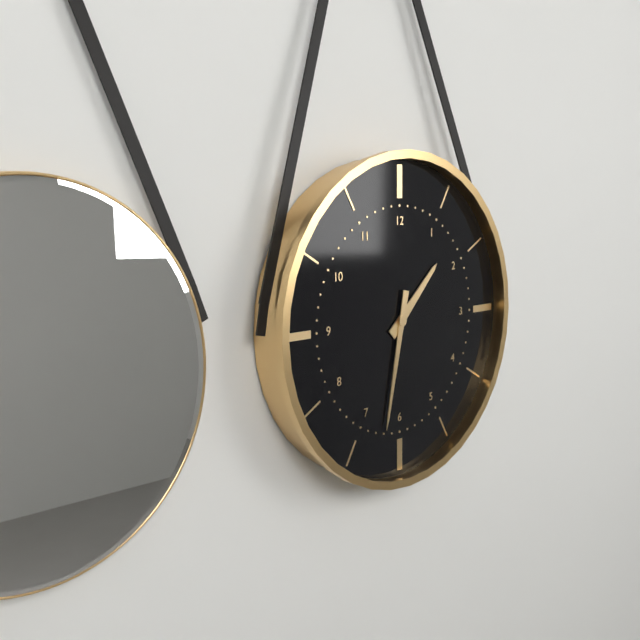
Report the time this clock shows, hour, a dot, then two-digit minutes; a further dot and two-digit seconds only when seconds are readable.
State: 1.32
